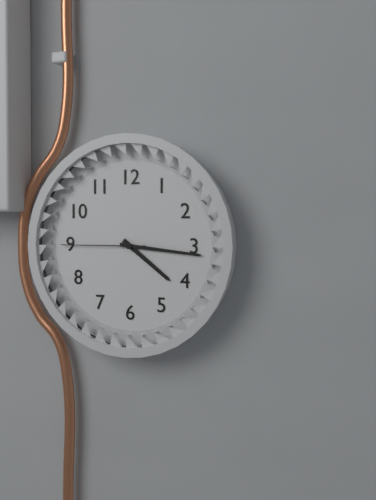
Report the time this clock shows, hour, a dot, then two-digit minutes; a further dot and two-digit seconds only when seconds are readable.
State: 4.16.45
